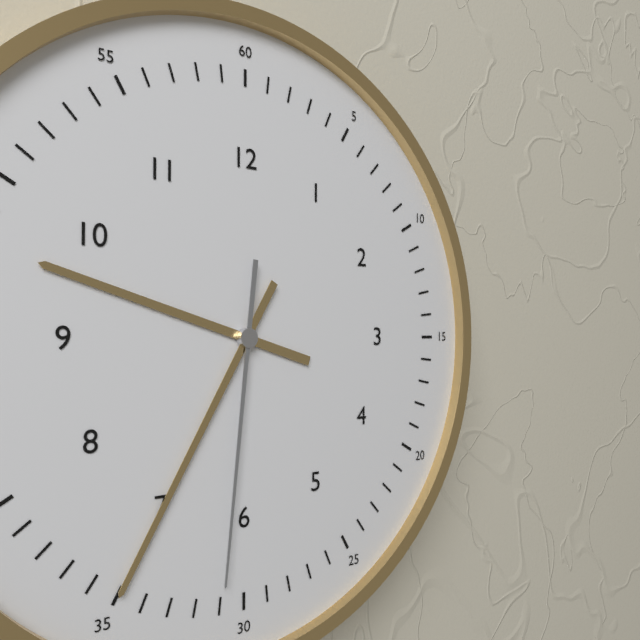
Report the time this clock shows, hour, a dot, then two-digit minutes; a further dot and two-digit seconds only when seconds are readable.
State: 9.35.31
